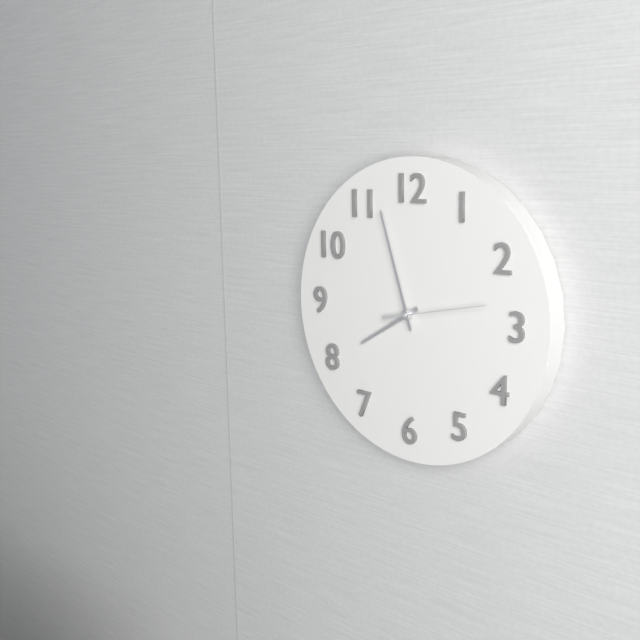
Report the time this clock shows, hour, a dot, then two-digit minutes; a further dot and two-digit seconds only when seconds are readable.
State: 7.57.13
